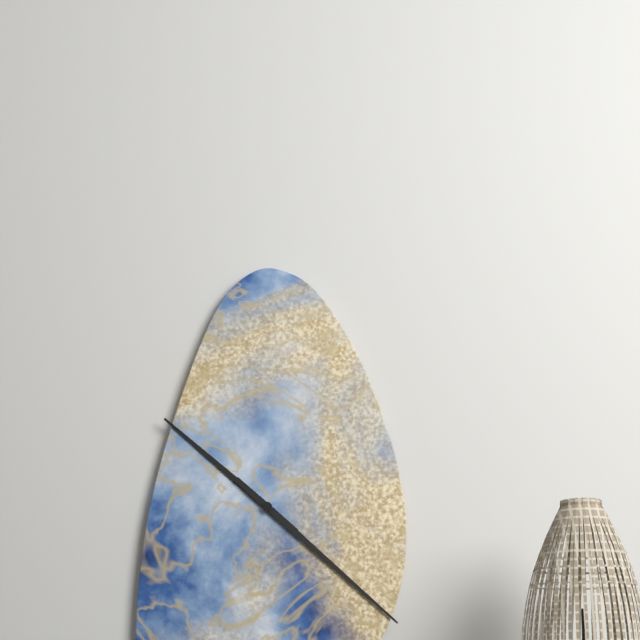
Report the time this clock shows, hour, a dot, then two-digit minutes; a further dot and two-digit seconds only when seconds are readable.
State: 10.22
